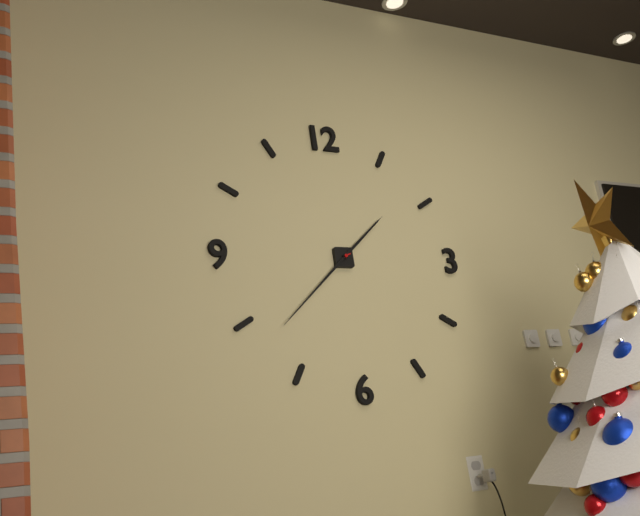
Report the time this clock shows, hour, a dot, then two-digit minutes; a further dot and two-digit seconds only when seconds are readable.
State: 1.38
